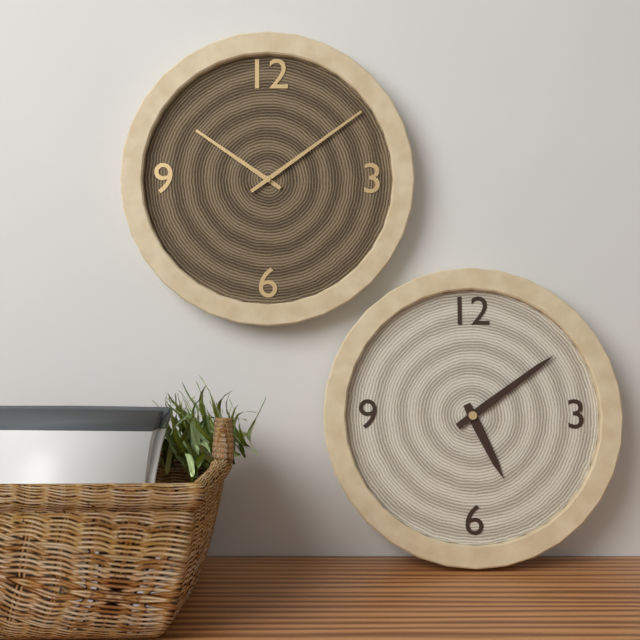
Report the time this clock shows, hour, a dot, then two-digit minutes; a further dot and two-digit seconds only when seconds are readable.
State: 5.09
